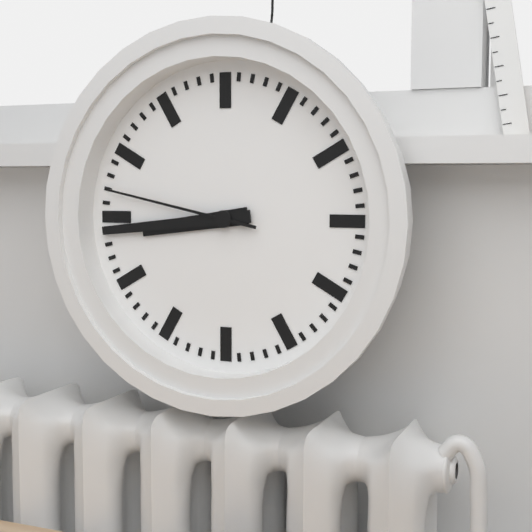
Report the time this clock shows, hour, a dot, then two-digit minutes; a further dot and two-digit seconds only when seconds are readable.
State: 8.44.47
